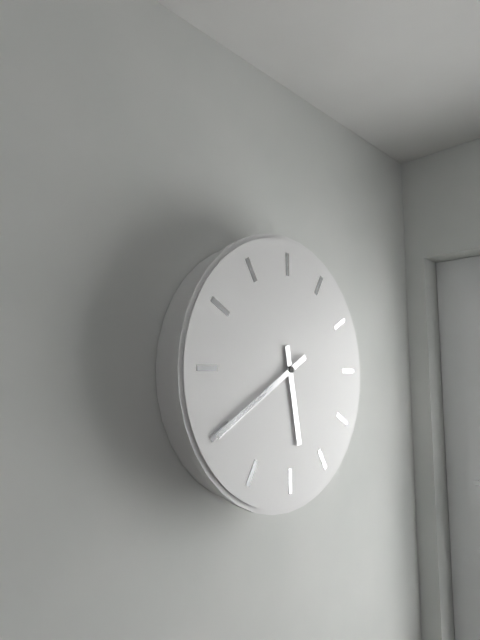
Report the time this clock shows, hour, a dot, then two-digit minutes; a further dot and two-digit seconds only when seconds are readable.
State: 5.40
